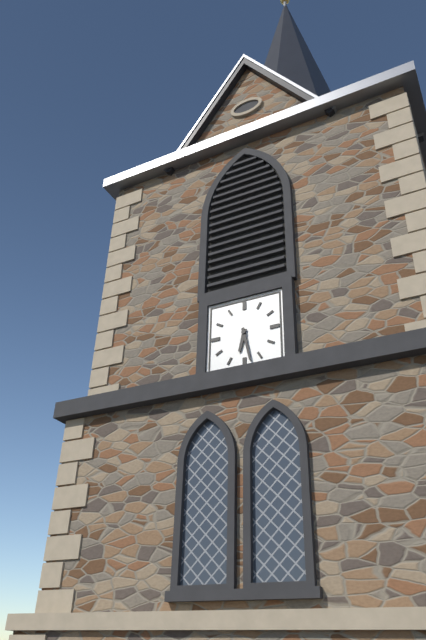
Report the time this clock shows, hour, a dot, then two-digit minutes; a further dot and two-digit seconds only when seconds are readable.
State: 6.28
